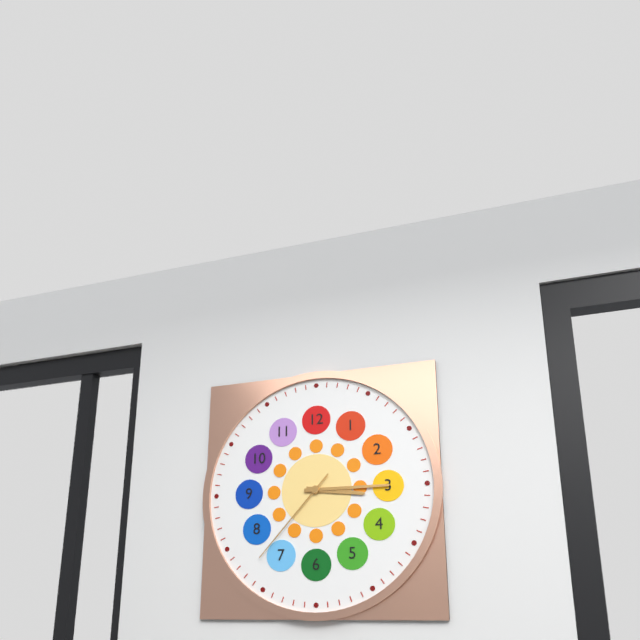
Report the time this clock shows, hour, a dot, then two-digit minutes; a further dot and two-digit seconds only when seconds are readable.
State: 3.15.37
